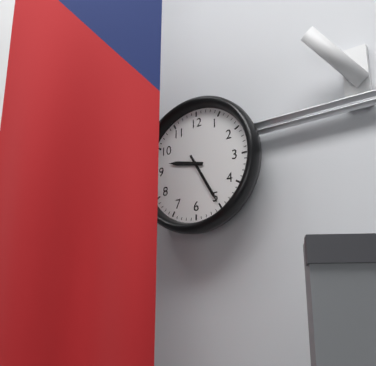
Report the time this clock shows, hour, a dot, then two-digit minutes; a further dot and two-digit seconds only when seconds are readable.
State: 9.25
